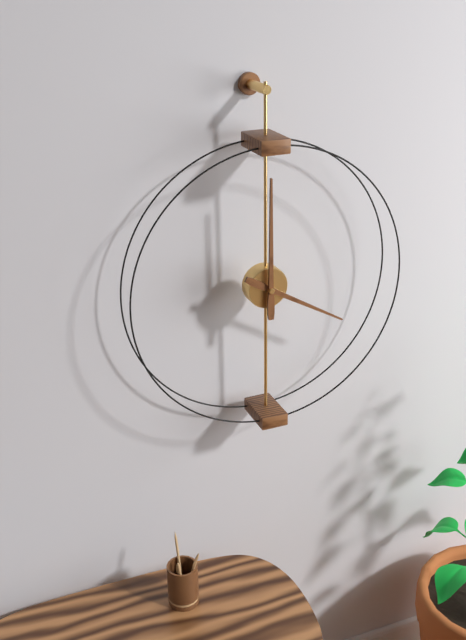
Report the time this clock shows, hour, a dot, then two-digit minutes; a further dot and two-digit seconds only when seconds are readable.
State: 4.00
